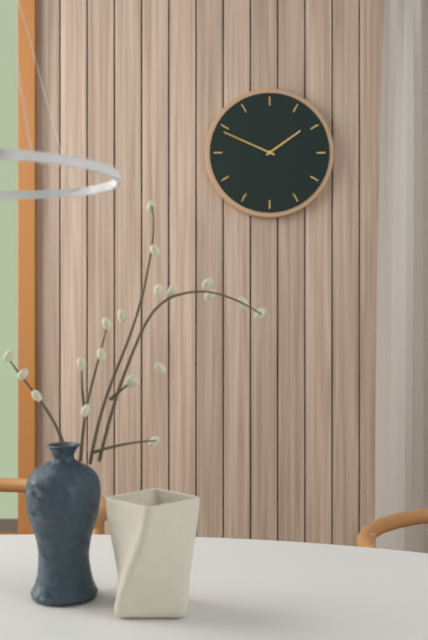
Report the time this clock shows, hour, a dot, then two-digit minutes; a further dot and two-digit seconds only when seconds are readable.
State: 1.49
